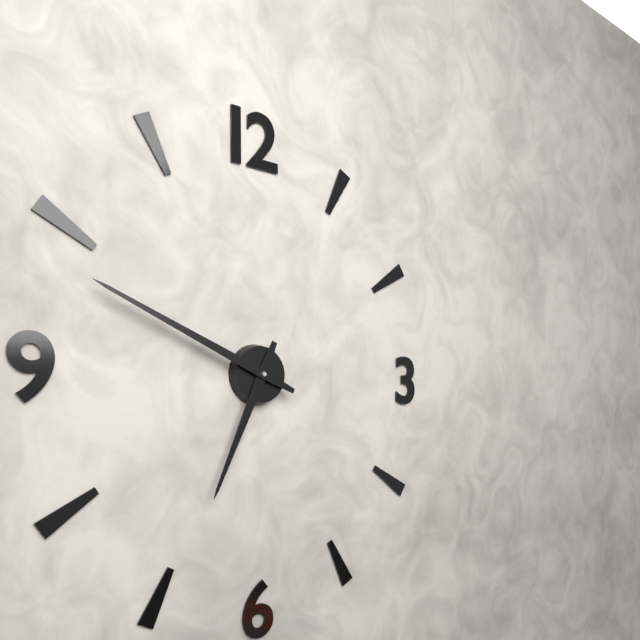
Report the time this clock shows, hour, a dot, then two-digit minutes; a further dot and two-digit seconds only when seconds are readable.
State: 6.49
